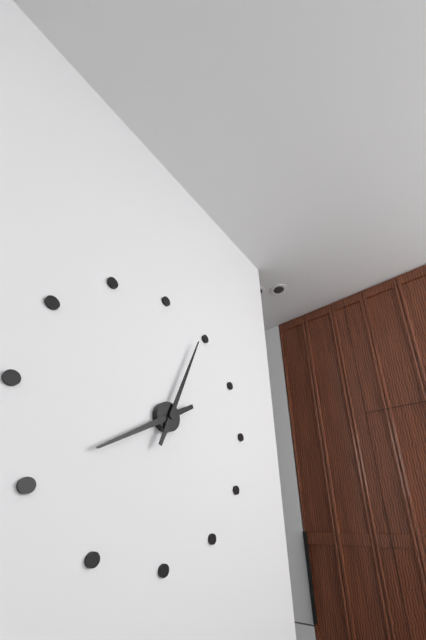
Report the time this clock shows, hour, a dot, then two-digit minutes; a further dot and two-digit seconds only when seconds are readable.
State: 8.04
